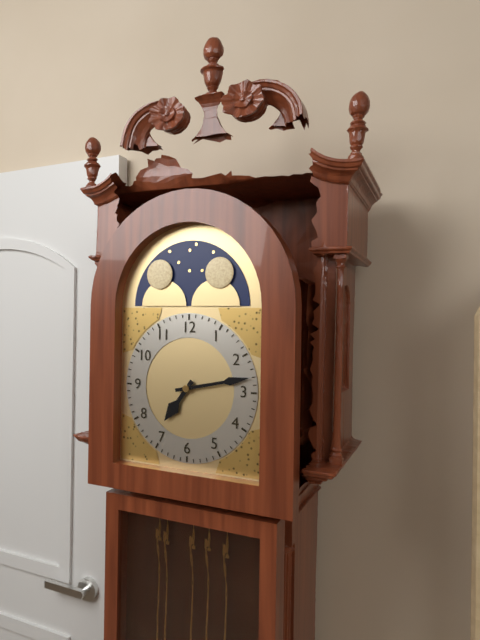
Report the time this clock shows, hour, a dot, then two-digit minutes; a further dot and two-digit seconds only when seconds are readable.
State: 7.13
